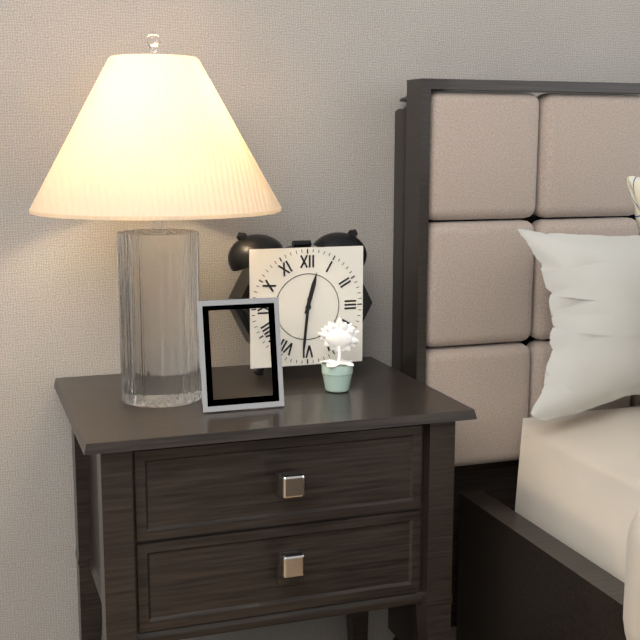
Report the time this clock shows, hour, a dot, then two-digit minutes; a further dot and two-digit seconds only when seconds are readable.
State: 12.31
